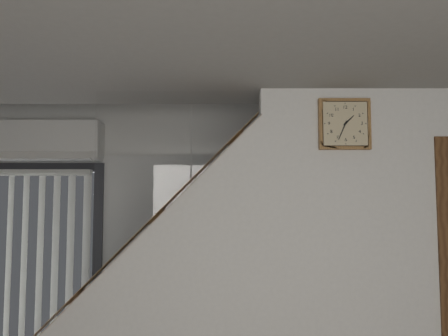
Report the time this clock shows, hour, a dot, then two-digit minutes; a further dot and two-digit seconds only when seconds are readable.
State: 1.34
